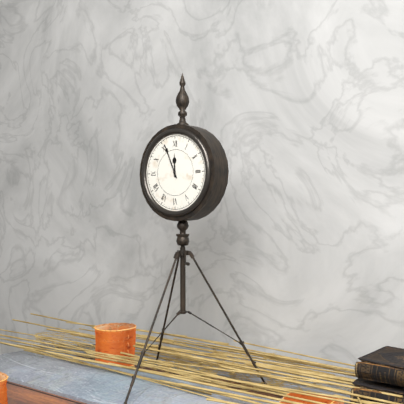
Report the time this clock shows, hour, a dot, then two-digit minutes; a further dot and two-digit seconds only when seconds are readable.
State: 11.56
